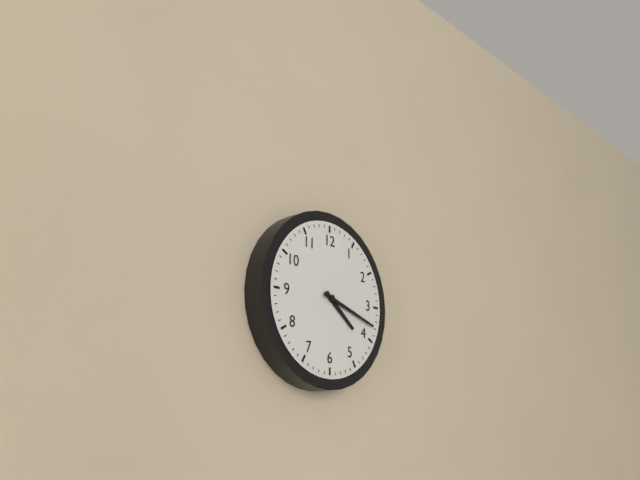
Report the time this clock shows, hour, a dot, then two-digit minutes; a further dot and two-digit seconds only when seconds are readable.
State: 4.18
